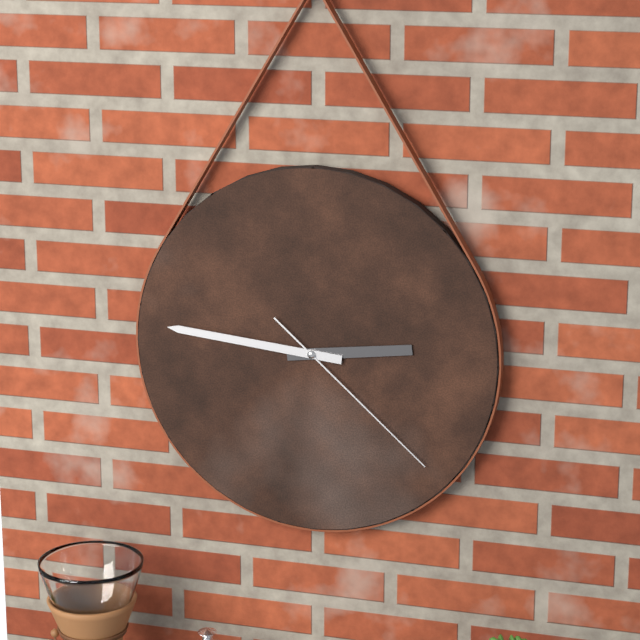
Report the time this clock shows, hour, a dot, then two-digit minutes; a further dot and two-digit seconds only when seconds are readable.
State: 2.46.22
